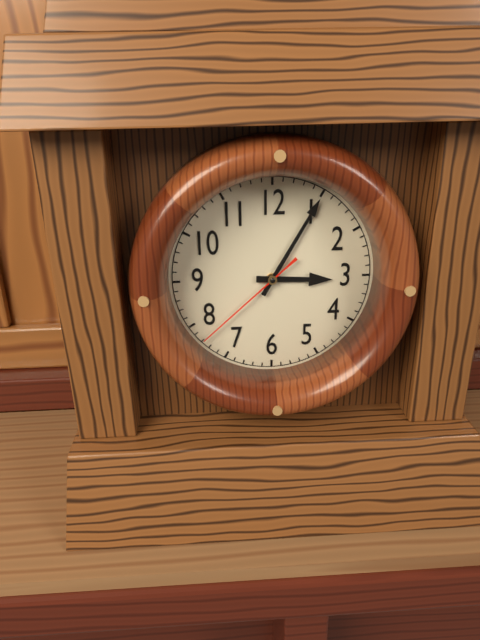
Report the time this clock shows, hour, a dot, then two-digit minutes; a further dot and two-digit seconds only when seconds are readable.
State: 3.05.38
